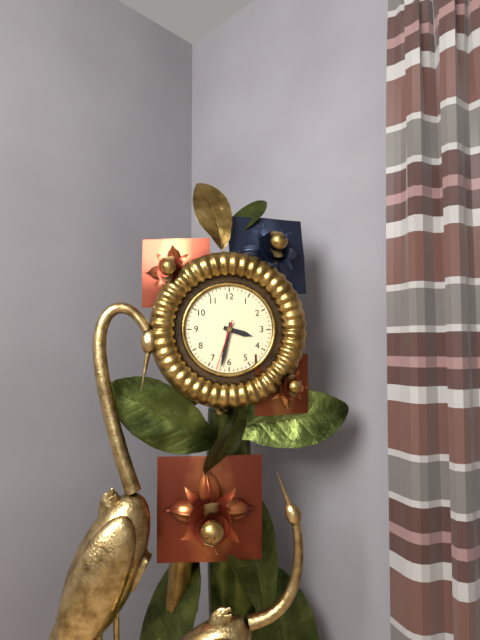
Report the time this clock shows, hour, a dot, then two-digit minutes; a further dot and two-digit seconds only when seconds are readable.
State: 3.32.33
